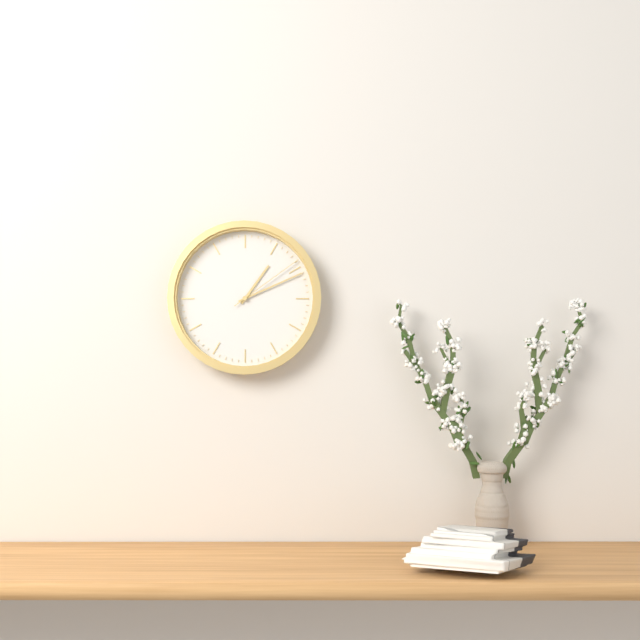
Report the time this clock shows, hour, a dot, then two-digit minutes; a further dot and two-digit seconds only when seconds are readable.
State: 1.11.09
